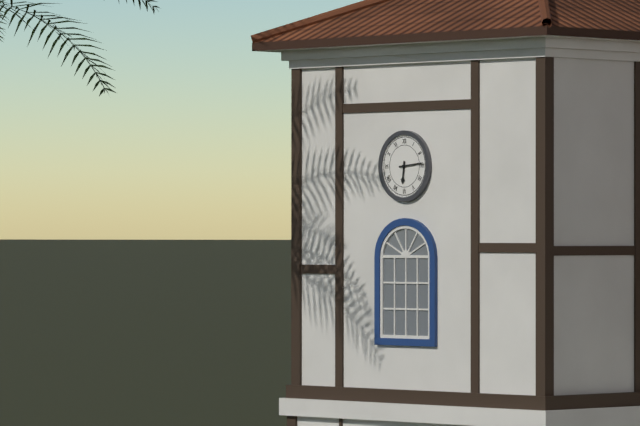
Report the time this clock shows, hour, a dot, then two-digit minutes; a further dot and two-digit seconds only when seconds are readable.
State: 6.14
